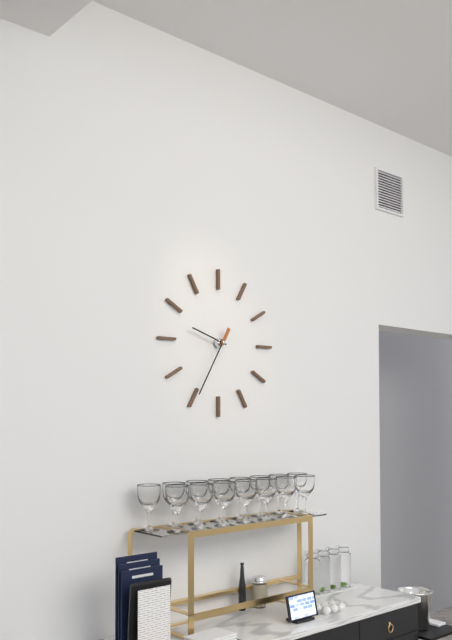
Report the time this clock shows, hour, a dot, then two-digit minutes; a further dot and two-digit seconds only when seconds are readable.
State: 9.35
